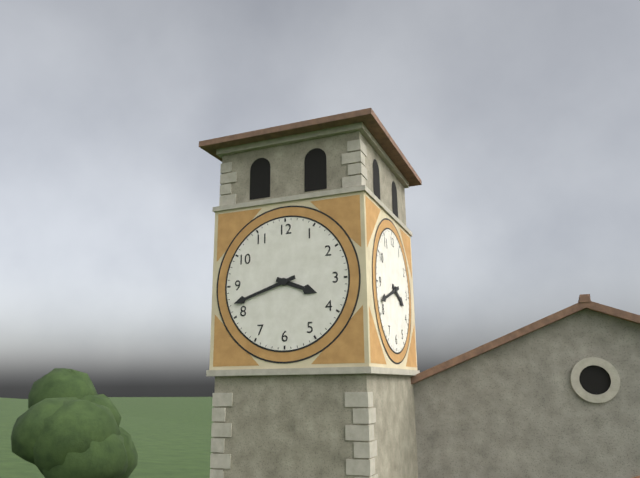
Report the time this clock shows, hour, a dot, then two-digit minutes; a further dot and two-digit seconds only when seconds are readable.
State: 3.42
